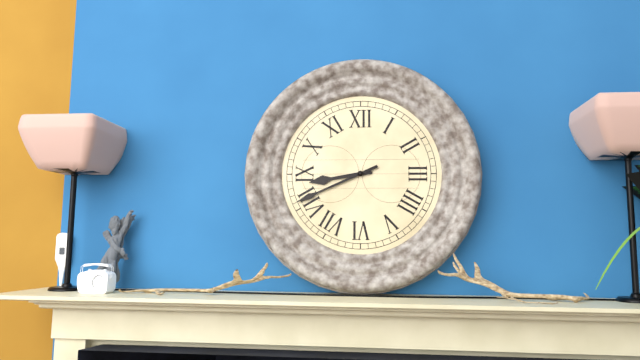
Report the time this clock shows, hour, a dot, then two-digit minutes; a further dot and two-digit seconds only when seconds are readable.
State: 8.41
